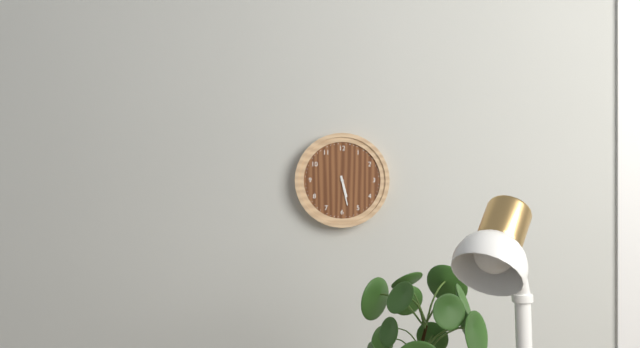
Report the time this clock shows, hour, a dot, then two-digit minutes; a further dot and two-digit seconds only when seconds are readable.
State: 5.28
